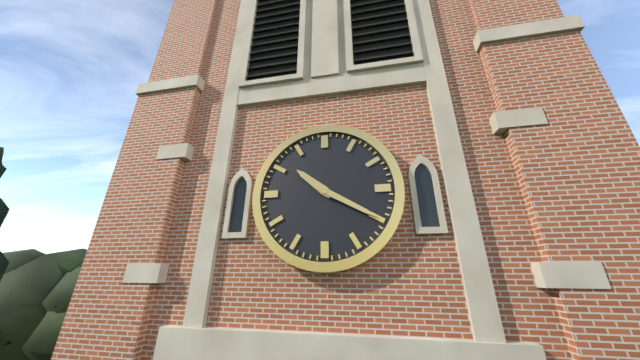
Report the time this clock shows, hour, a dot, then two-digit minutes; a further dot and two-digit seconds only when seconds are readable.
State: 10.20
